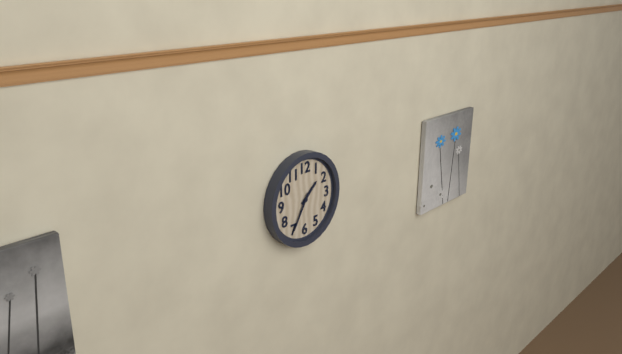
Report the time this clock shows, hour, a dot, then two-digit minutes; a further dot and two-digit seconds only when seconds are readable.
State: 1.35
